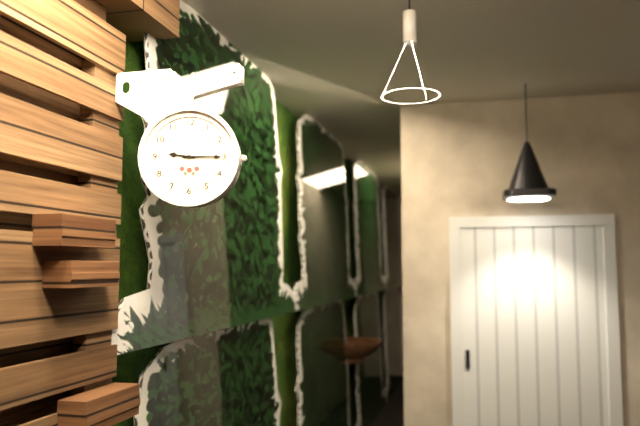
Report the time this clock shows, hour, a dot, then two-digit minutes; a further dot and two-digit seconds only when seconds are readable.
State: 9.15
